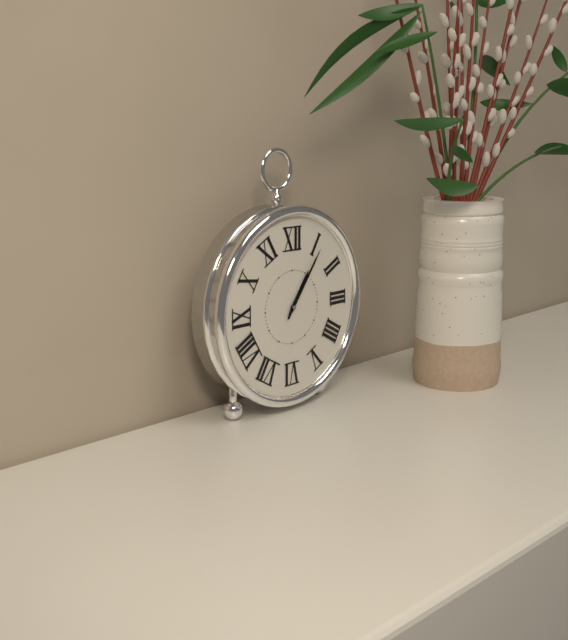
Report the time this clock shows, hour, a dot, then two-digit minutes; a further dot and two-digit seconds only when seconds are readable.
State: 1.06
